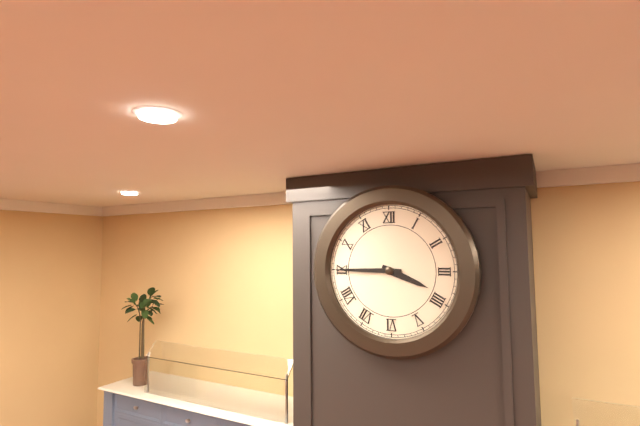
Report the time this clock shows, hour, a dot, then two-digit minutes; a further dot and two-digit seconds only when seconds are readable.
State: 3.45
